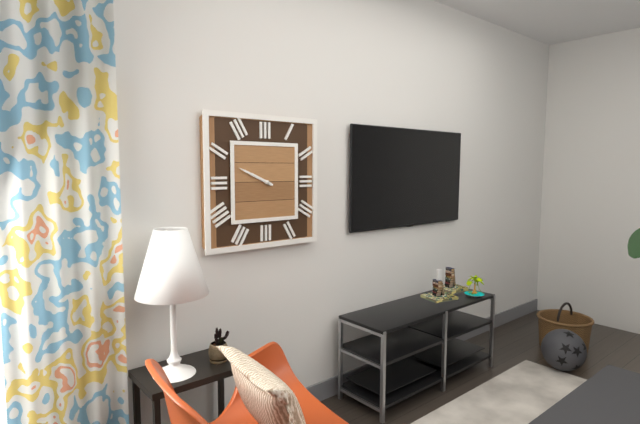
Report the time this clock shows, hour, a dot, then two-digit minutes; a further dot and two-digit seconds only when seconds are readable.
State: 9.49
